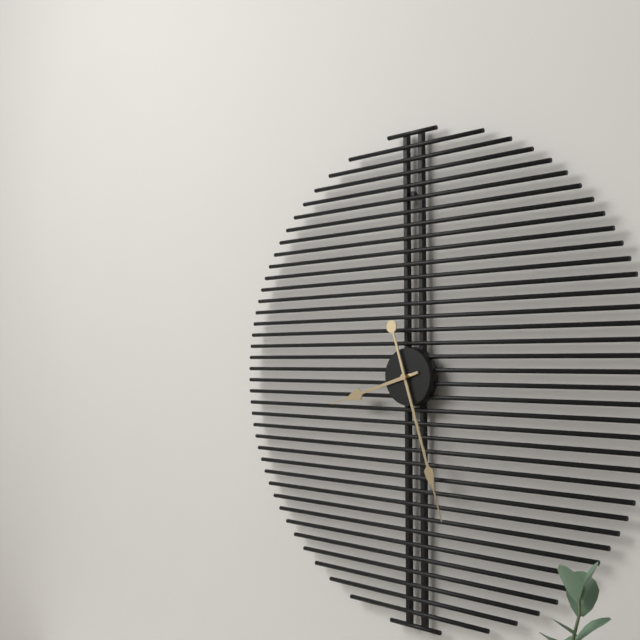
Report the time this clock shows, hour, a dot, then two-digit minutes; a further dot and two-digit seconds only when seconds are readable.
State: 8.27
